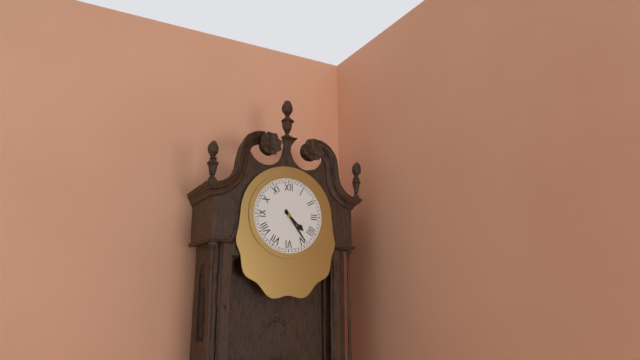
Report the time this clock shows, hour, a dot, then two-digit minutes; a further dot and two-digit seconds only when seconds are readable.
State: 4.24
